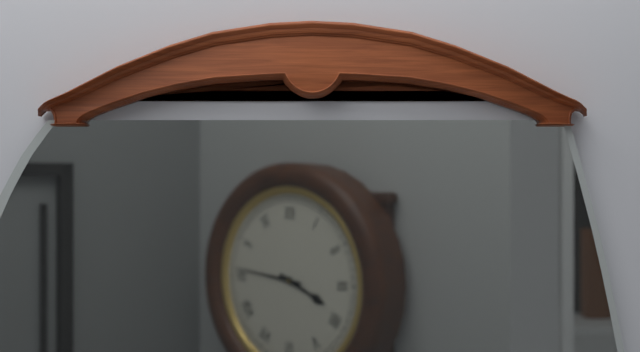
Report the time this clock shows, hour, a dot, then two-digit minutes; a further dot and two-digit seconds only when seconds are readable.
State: 3.46
